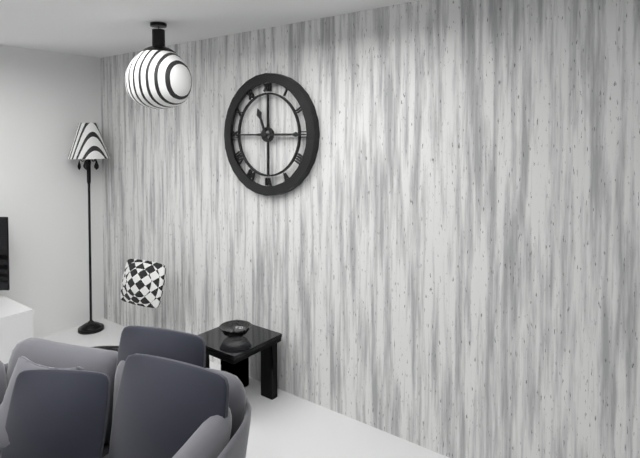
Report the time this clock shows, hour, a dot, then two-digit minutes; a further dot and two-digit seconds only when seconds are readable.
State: 11.15
